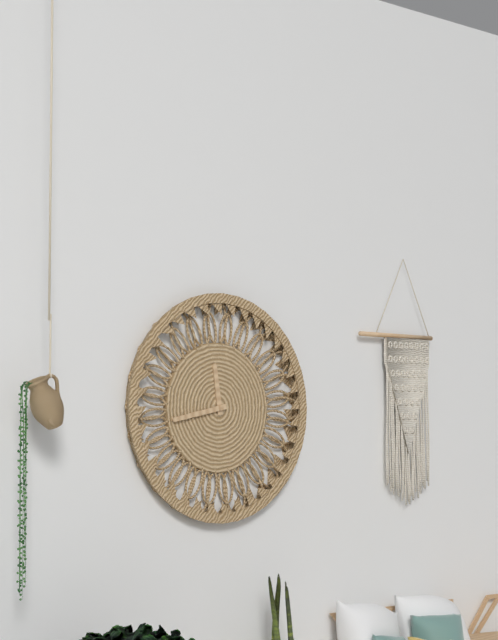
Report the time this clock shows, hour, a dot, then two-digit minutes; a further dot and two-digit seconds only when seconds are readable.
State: 11.43
